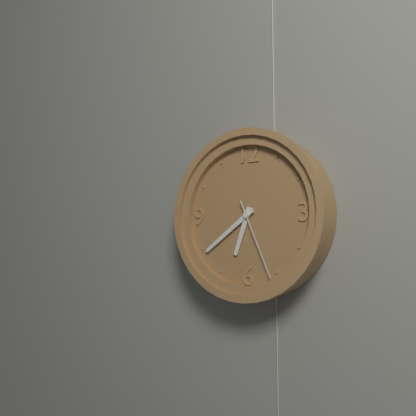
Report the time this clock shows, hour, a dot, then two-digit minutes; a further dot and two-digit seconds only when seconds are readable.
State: 6.39.26
